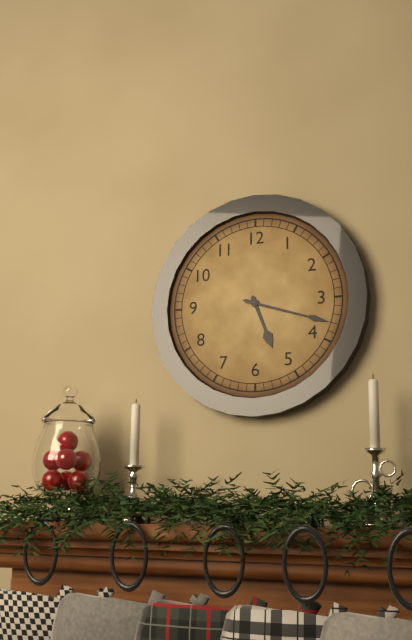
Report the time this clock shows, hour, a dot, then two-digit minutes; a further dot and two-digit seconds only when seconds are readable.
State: 5.18
